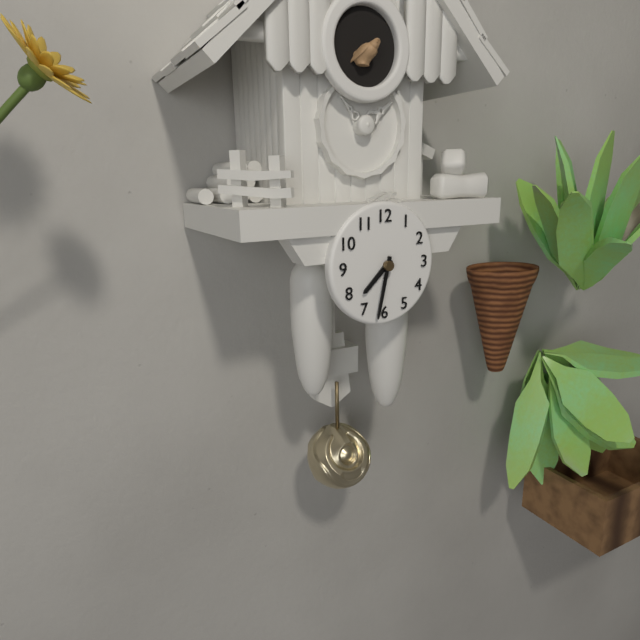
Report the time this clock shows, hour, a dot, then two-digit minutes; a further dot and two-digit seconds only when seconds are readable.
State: 7.32
